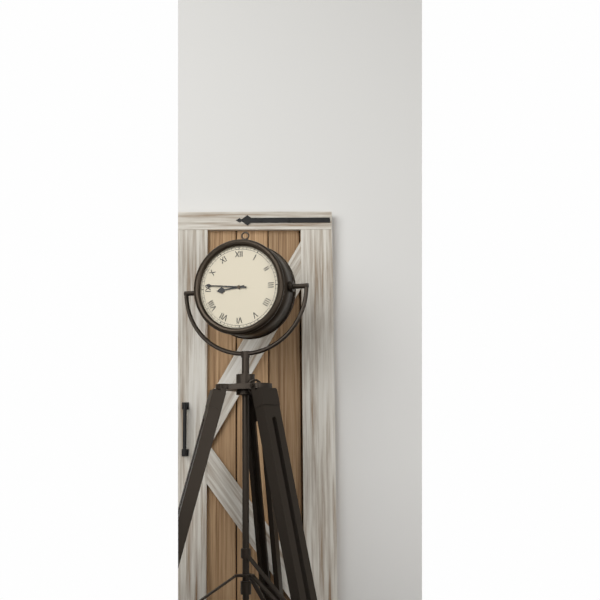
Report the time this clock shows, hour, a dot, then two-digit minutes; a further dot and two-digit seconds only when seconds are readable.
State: 8.46
